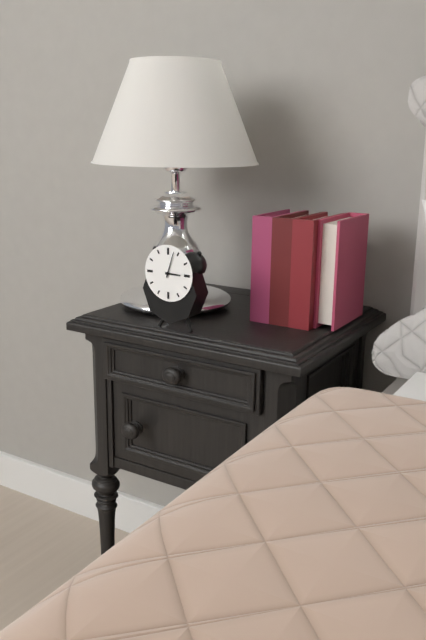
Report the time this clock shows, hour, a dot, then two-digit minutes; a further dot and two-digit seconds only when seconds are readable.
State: 3.03
